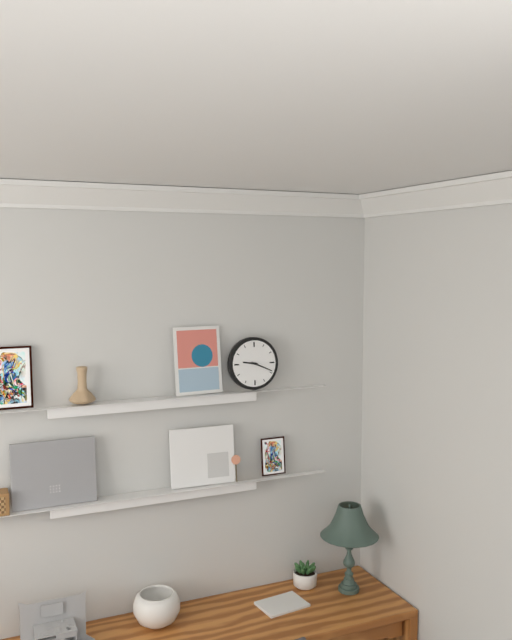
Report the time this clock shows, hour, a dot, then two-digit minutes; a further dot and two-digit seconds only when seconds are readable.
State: 9.19
